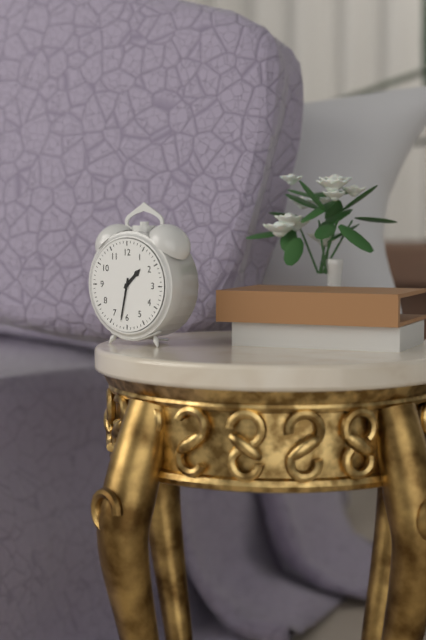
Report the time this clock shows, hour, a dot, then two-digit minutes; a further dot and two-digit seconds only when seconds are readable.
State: 1.32
